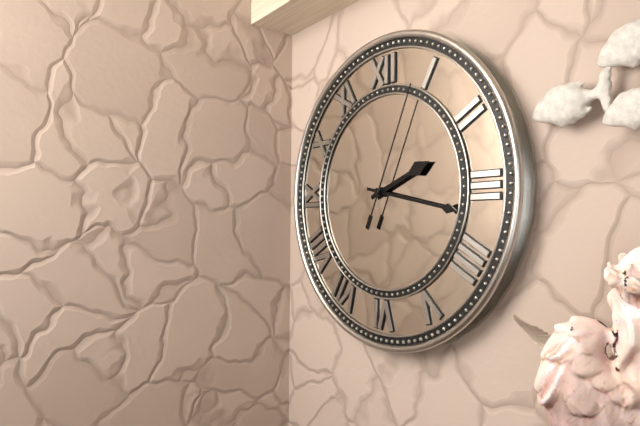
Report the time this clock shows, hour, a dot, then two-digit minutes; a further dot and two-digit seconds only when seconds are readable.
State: 2.17.04
